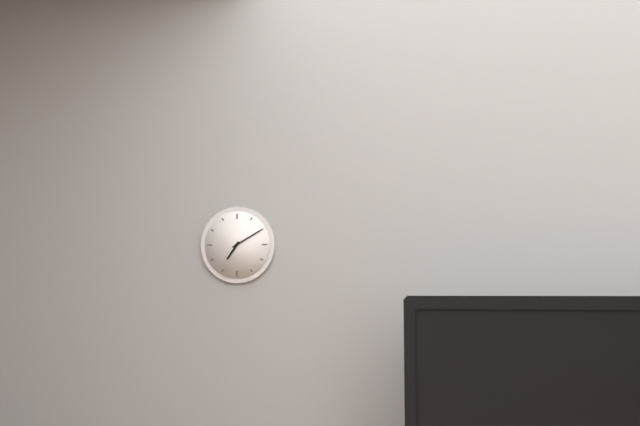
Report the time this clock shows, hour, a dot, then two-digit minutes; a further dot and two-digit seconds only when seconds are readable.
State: 7.10
